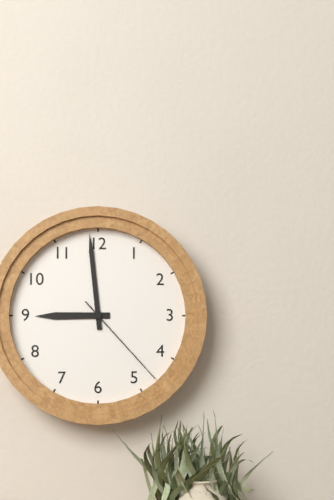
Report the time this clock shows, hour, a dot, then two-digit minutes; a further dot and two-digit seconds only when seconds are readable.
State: 8.59.23
